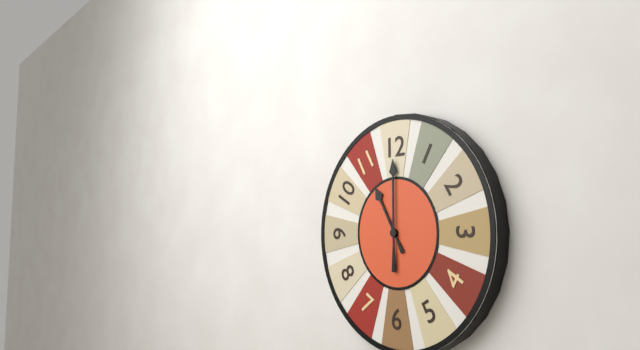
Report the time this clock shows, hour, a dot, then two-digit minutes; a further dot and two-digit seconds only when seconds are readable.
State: 11.00
